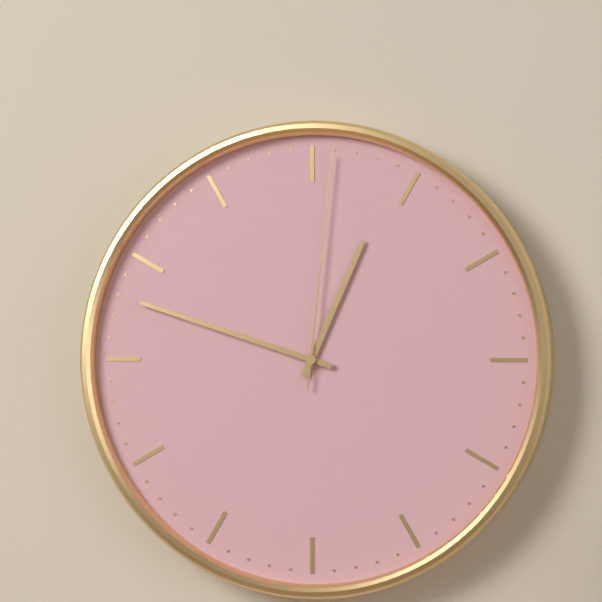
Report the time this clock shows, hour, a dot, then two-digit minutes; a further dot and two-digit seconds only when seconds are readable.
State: 12.48.01
